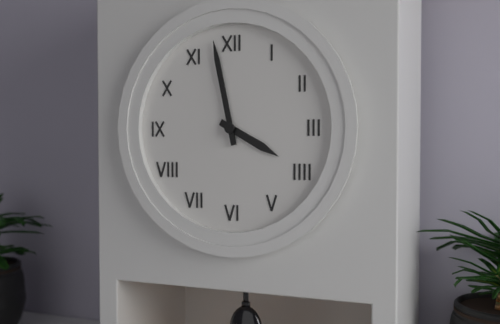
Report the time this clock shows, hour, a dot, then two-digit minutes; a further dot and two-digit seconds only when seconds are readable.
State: 3.58
